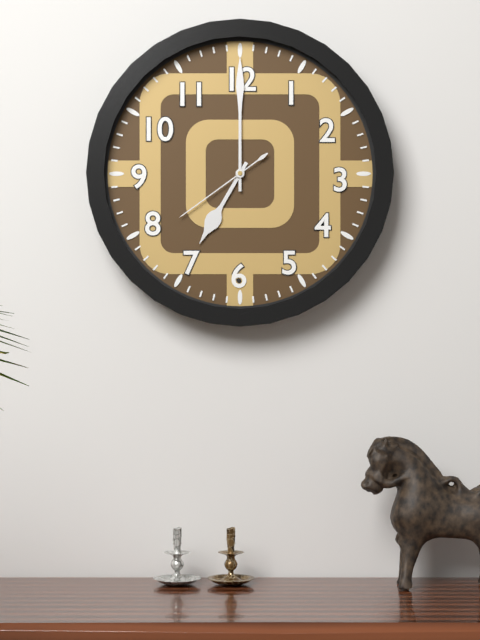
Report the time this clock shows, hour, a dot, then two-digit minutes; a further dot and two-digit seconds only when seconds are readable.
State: 7.00.39
